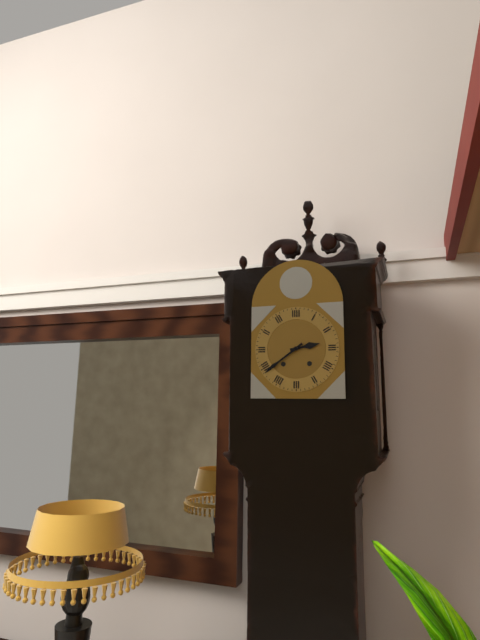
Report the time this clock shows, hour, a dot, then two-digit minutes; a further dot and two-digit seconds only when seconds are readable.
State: 2.39
